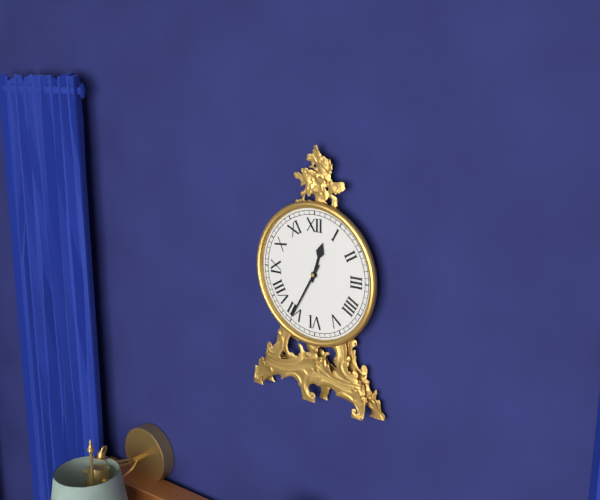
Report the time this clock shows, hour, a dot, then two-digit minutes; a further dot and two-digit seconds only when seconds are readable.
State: 12.35
